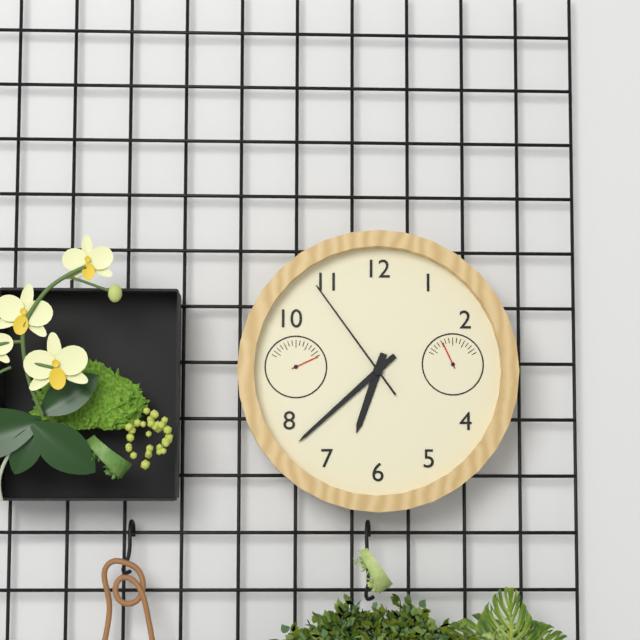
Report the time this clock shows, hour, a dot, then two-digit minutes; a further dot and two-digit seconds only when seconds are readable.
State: 6.38.54
